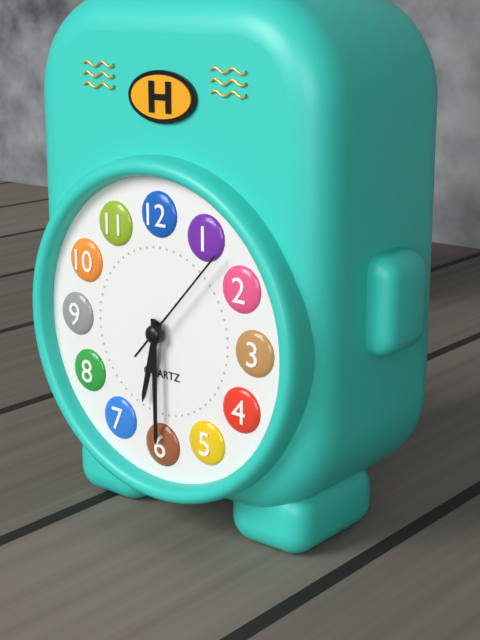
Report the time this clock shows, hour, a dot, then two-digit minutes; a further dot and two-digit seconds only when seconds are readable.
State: 6.30.07
